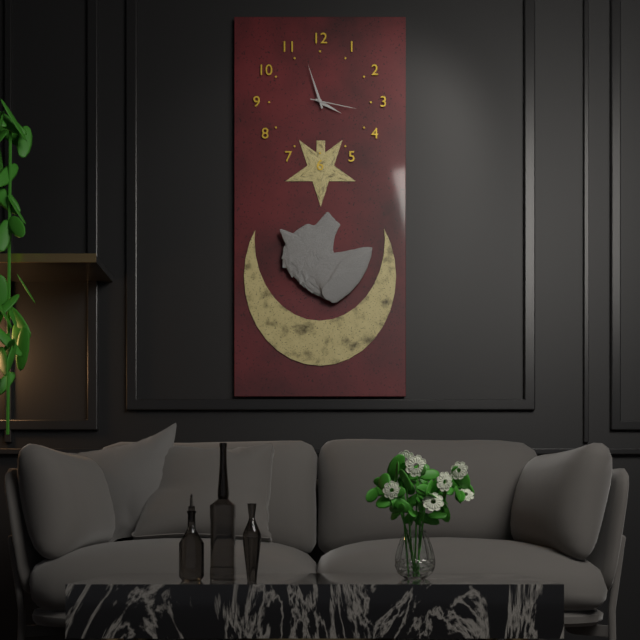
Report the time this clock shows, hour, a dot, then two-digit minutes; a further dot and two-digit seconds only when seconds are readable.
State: 3.57
